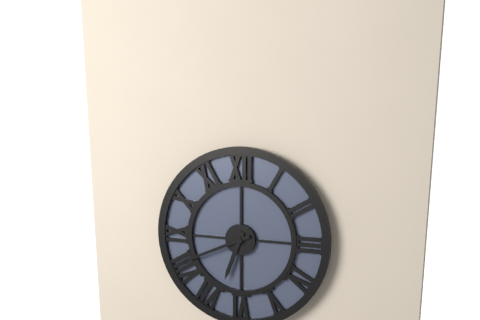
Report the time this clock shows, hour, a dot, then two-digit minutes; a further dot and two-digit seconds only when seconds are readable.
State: 6.41
